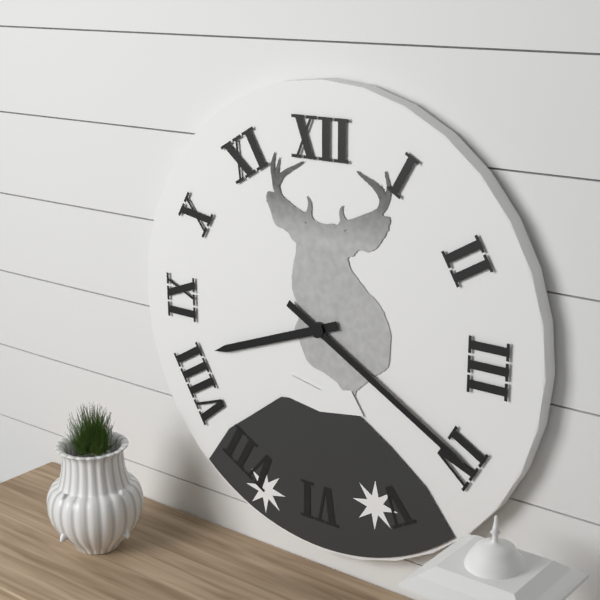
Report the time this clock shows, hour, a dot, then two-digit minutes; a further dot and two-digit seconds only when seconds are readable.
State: 8.20
